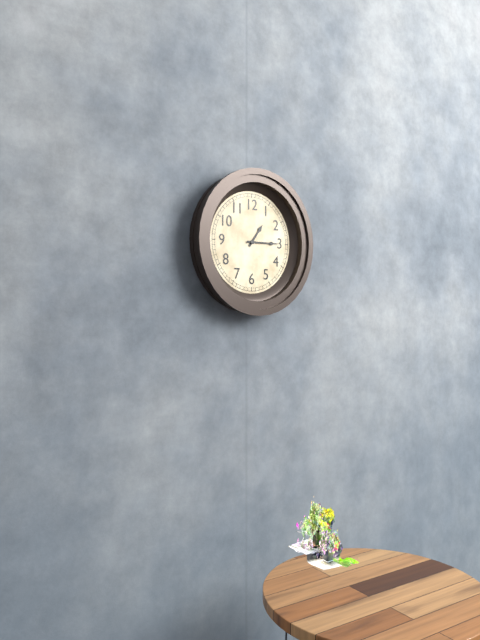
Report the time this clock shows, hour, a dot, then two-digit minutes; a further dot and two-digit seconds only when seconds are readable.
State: 1.15
